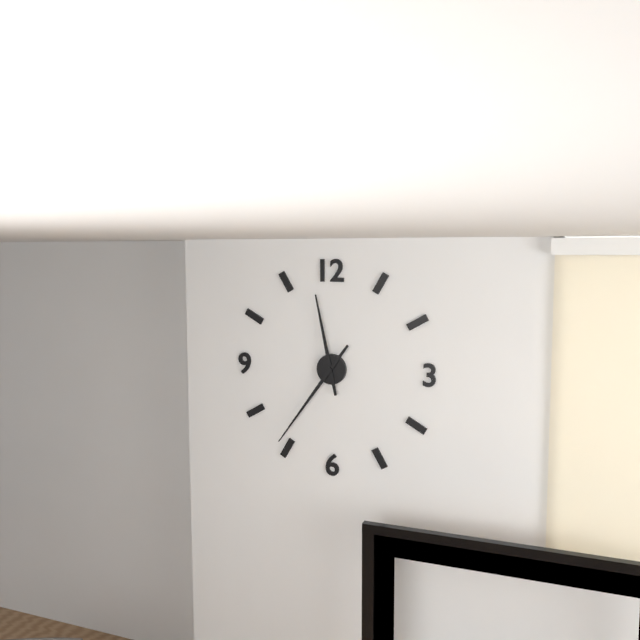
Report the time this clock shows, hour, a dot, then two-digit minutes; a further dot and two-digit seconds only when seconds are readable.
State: 11.36
